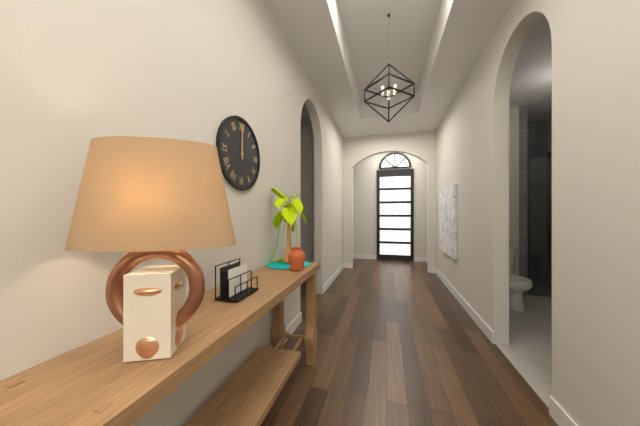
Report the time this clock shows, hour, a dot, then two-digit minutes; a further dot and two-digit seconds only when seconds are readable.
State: 12.00
